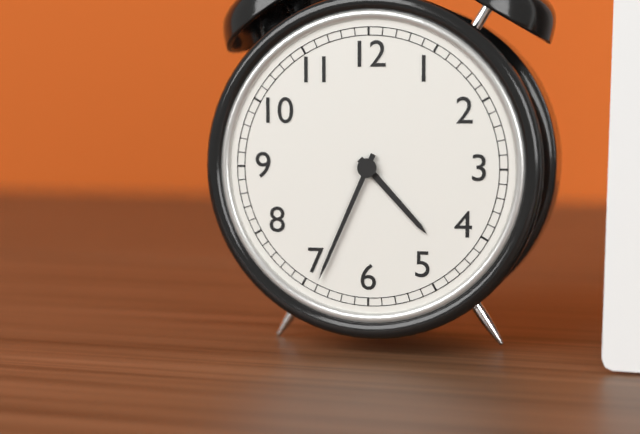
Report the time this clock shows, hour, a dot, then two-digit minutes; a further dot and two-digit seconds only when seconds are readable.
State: 4.34
